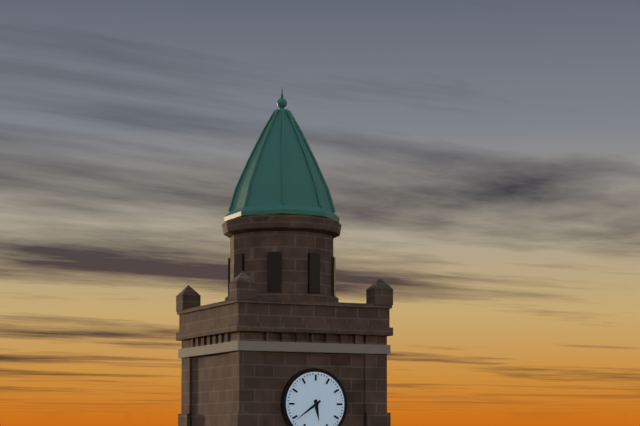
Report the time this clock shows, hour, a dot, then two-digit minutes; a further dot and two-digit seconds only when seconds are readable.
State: 5.39
